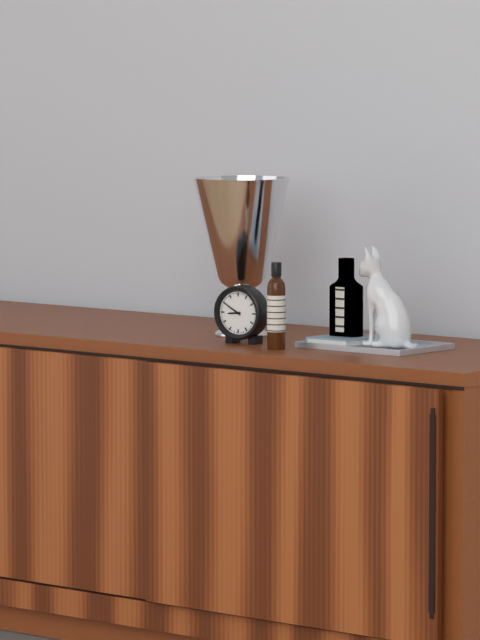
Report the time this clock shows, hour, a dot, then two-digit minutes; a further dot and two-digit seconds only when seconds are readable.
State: 8.50
